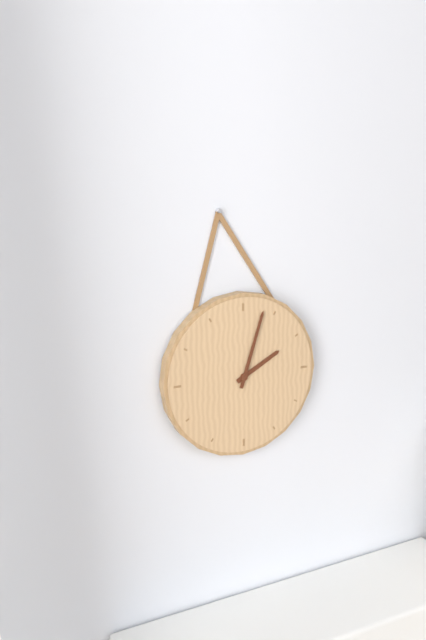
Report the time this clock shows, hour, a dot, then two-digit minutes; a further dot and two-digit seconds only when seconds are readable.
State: 2.03
